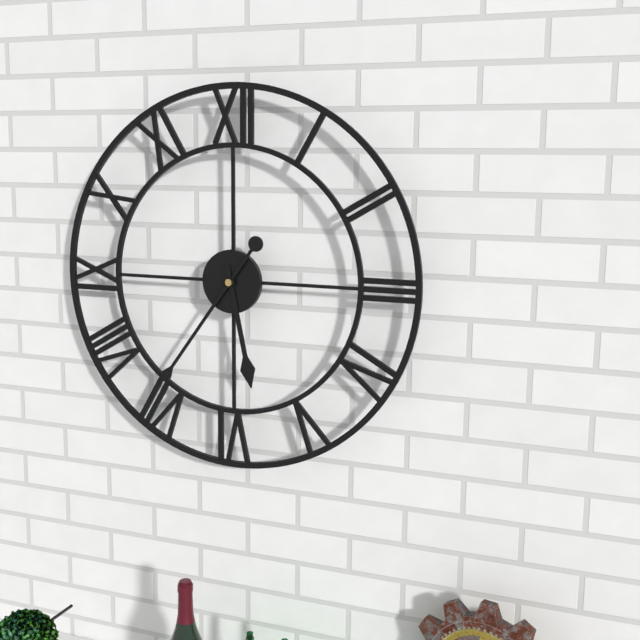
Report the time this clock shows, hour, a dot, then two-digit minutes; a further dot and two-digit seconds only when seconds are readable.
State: 5.36
